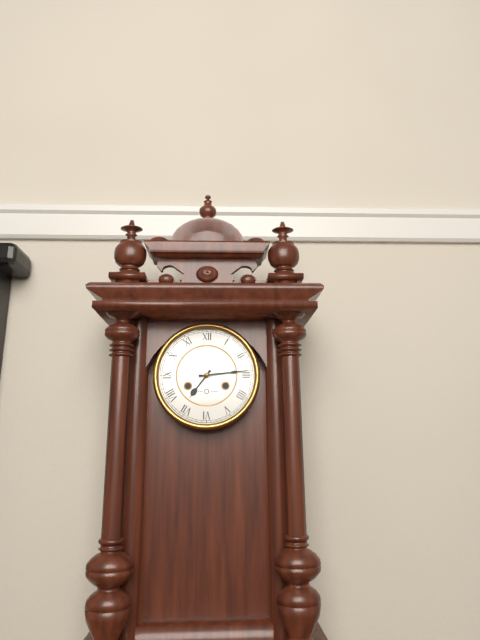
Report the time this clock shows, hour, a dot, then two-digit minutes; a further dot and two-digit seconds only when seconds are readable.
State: 7.14
